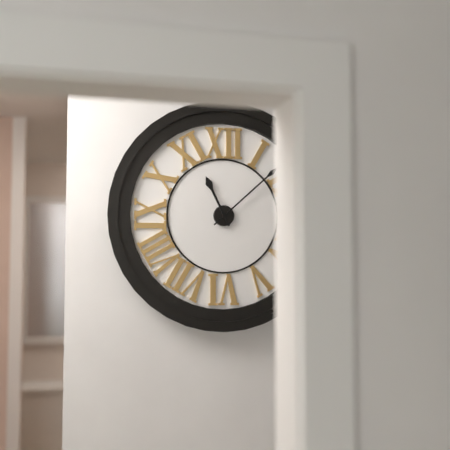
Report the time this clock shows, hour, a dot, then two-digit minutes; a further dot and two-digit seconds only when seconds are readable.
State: 11.08
